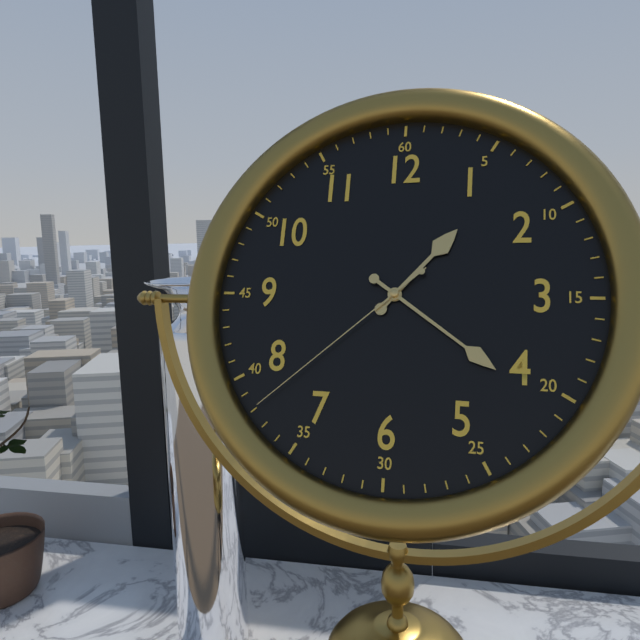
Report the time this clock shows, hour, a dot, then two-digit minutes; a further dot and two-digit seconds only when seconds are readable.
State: 1.21.38
